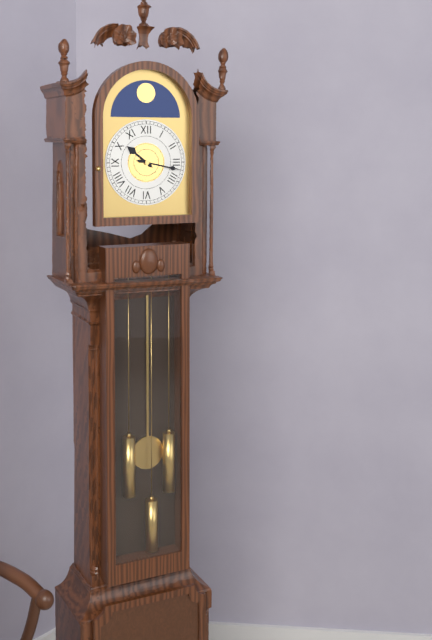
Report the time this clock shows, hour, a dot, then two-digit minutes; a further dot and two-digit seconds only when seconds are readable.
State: 10.17
